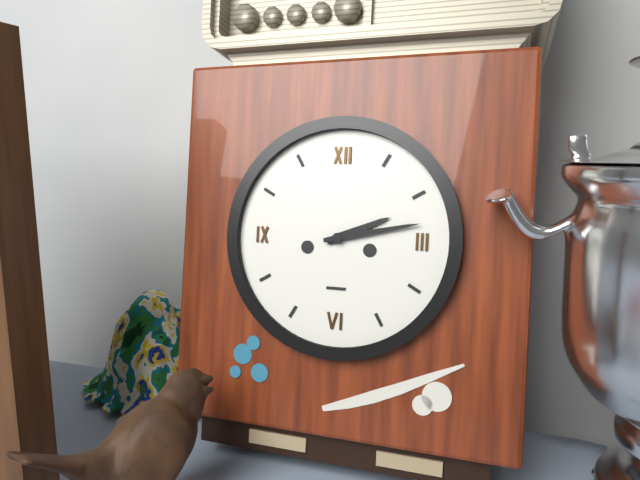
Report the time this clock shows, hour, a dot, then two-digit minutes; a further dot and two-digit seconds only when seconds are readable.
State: 2.13
